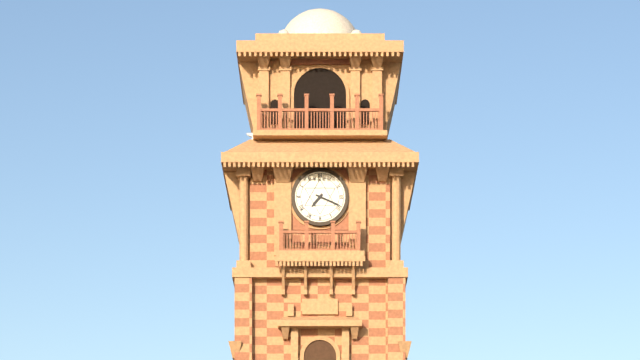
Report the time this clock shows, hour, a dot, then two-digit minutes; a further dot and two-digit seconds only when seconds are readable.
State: 7.19
